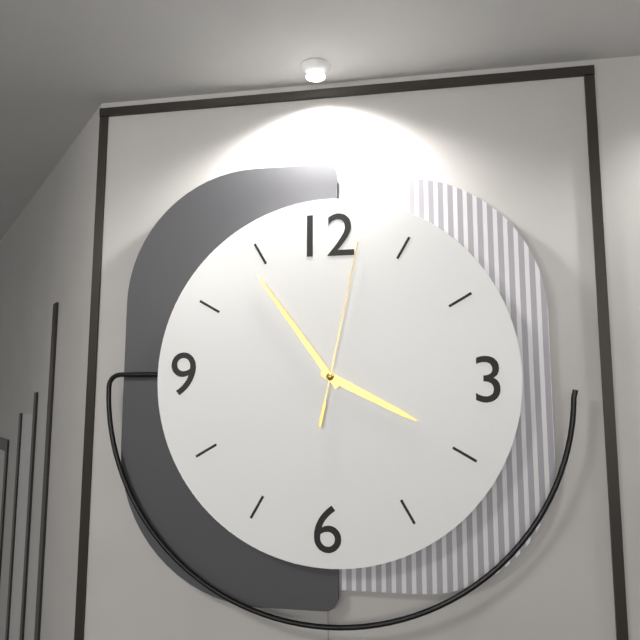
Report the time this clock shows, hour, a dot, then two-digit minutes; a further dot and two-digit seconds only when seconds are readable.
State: 3.54.02
